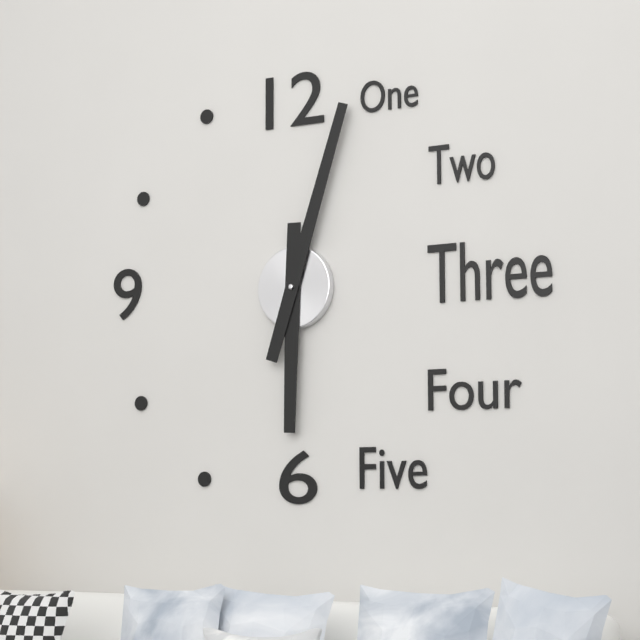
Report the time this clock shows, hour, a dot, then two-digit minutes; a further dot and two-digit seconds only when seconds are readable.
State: 6.03
